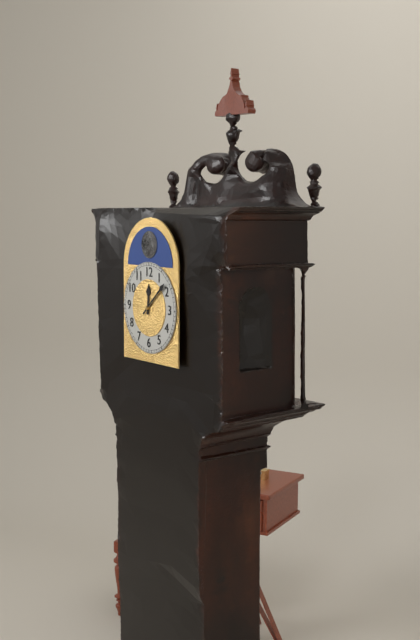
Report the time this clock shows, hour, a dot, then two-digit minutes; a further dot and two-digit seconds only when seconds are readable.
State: 12.08
